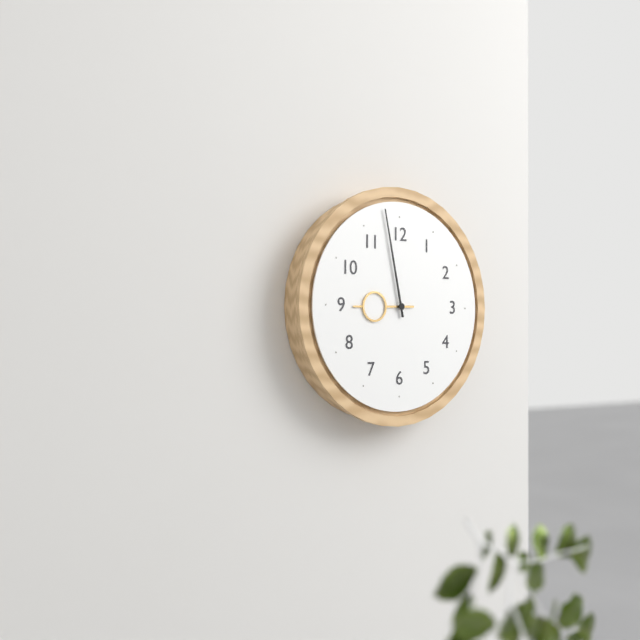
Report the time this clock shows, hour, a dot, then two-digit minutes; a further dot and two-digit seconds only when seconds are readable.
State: 8.58
